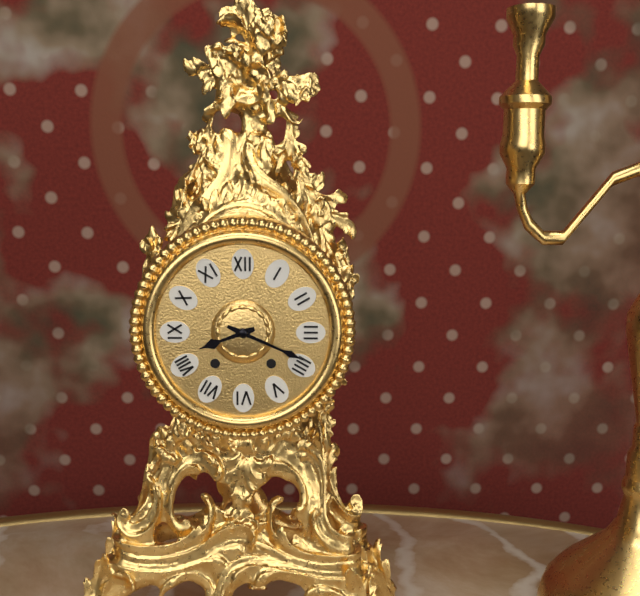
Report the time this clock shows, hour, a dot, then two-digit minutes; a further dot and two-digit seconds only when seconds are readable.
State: 8.19
